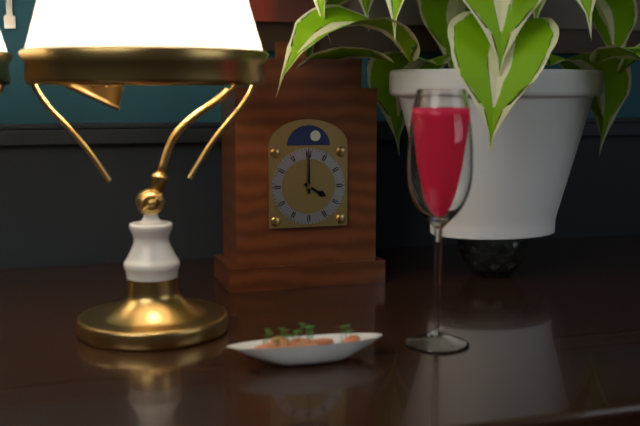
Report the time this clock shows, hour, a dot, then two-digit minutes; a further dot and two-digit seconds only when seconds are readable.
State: 4.00
